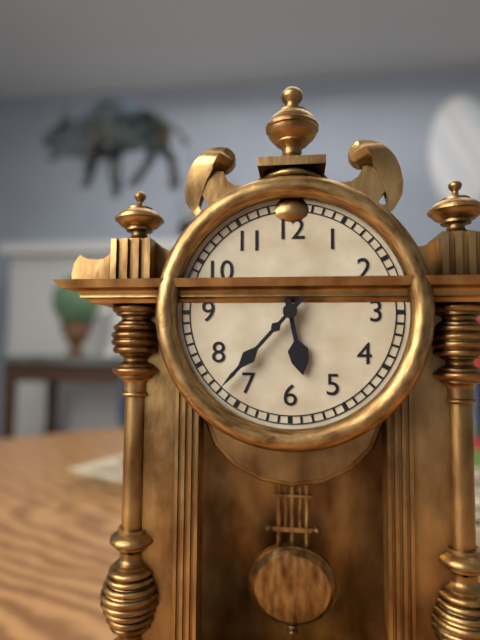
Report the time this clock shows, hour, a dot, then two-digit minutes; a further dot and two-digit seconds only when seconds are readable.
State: 5.37
